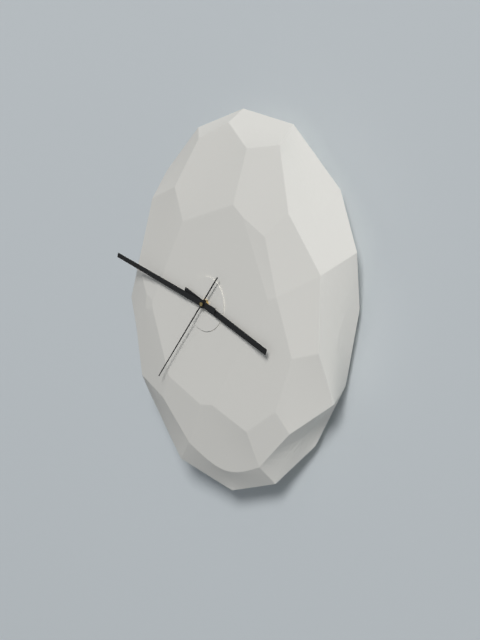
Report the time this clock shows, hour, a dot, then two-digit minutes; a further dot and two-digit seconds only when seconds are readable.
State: 3.48.37
